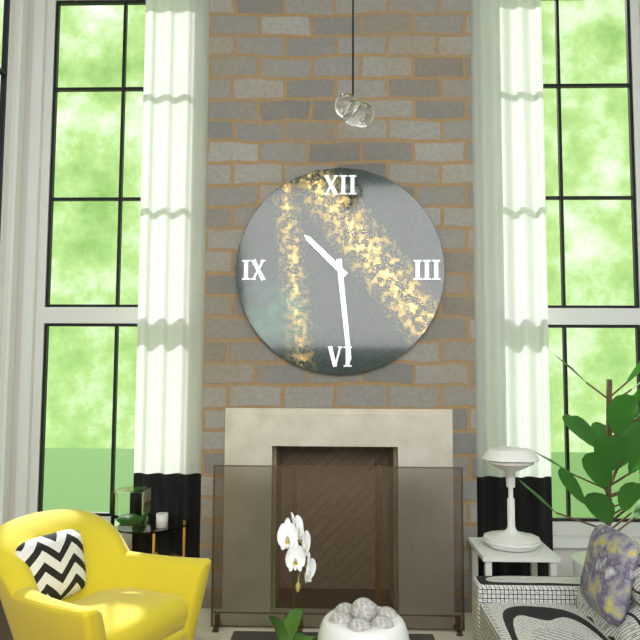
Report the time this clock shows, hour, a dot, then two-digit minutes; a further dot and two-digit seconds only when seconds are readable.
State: 10.29
